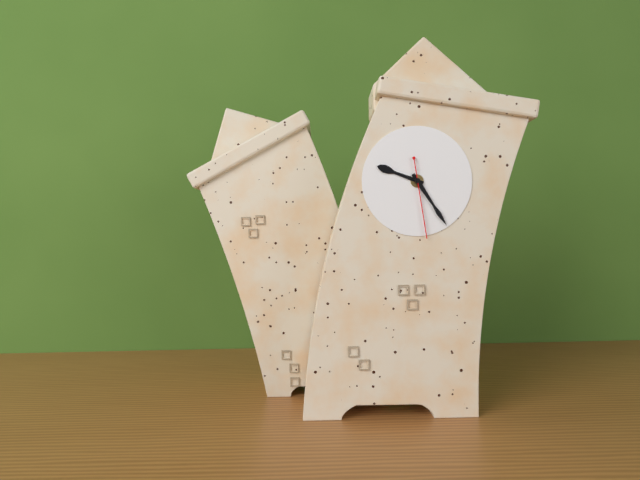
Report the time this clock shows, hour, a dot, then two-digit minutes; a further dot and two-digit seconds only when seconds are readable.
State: 9.23.27
